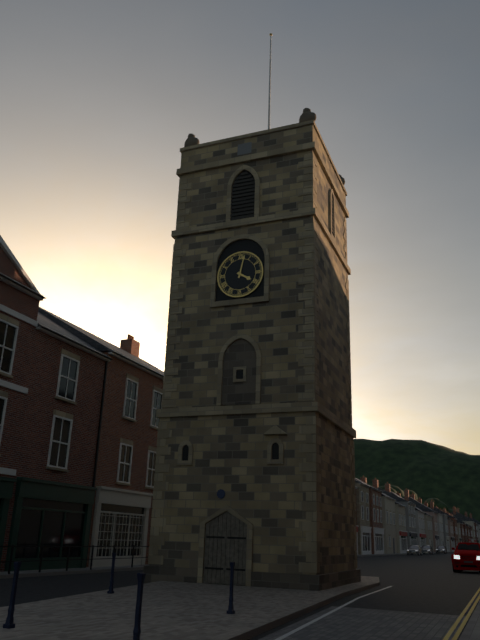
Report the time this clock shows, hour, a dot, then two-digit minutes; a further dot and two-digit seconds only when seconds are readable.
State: 4.02
